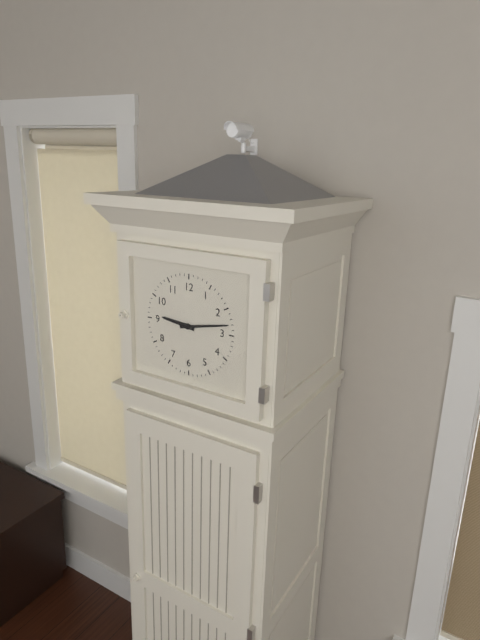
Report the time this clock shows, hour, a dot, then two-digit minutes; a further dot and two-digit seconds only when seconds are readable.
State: 9.13
